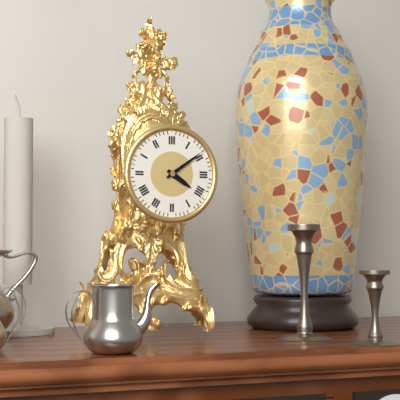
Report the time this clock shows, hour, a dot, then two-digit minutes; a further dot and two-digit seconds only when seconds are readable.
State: 4.09
